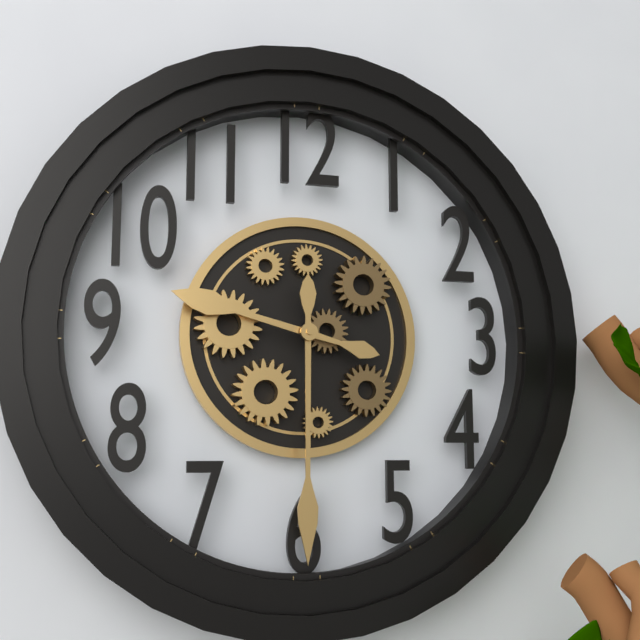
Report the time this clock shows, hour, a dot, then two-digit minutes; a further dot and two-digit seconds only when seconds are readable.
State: 9.30
